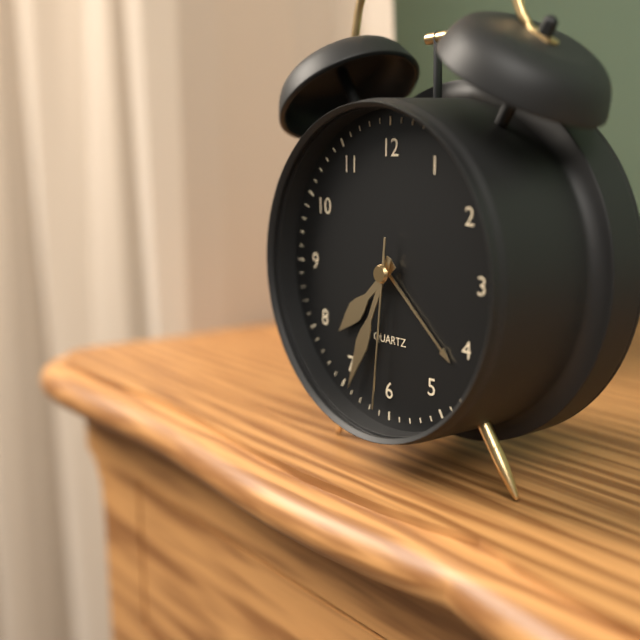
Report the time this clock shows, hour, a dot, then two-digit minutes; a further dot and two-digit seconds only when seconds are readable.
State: 7.34.31
